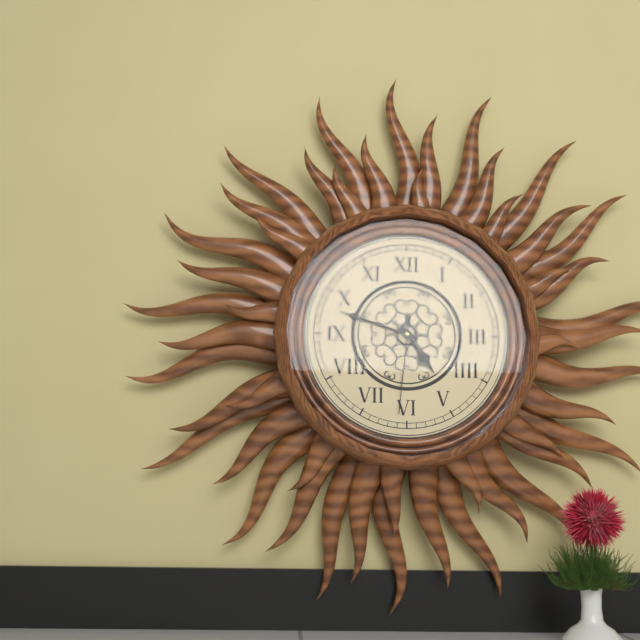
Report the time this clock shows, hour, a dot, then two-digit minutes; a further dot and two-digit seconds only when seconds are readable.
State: 4.48.31
